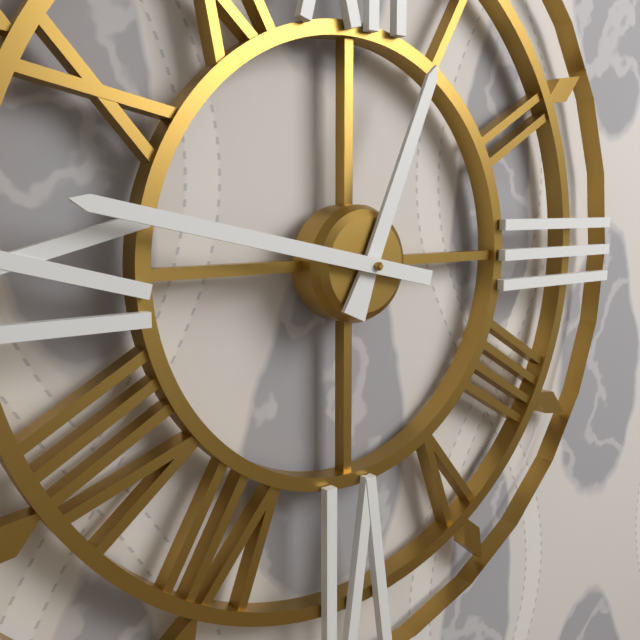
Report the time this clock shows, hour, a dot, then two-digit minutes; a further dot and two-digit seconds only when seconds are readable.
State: 12.47
